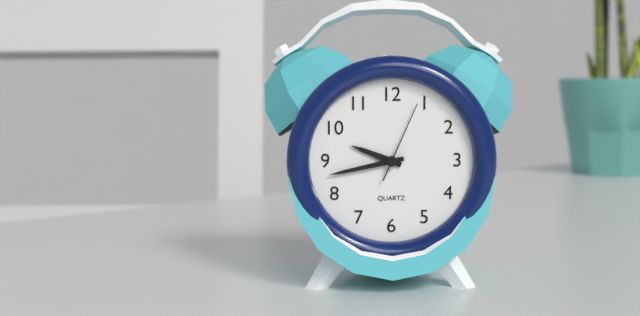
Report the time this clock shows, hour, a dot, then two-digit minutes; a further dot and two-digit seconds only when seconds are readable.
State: 9.43.04
